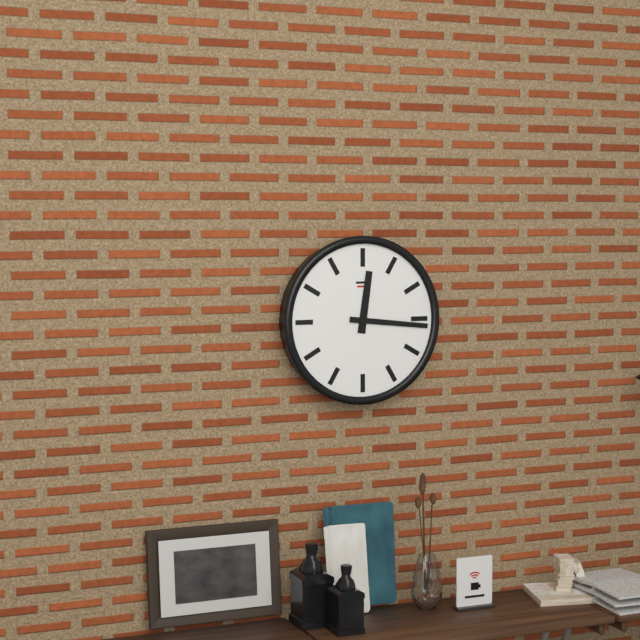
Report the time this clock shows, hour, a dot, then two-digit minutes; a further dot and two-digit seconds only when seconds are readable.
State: 12.16
